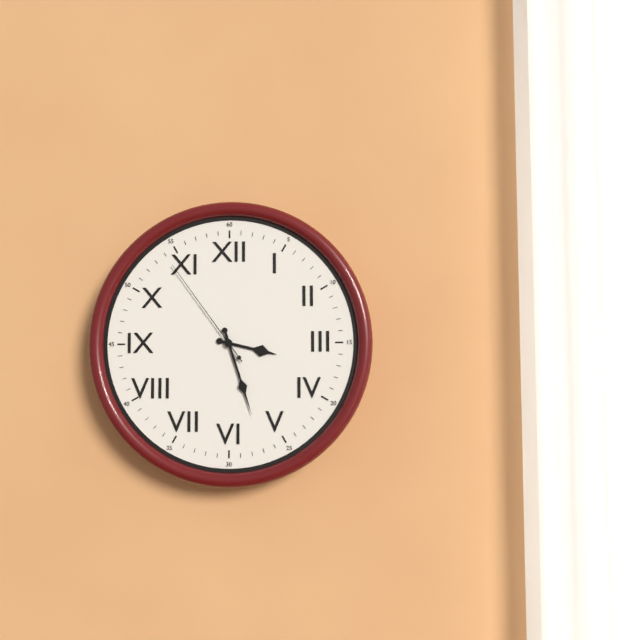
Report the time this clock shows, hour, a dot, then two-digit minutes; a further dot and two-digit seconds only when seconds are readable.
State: 3.27.54
